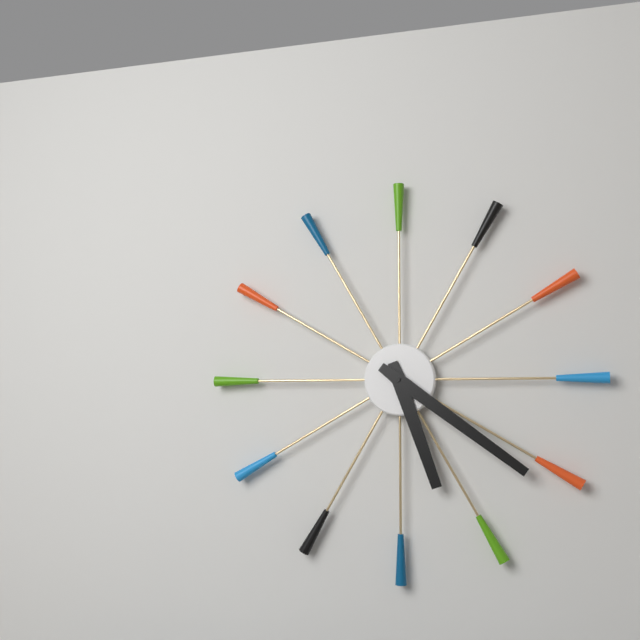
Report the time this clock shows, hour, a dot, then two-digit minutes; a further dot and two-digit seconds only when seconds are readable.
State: 5.21
